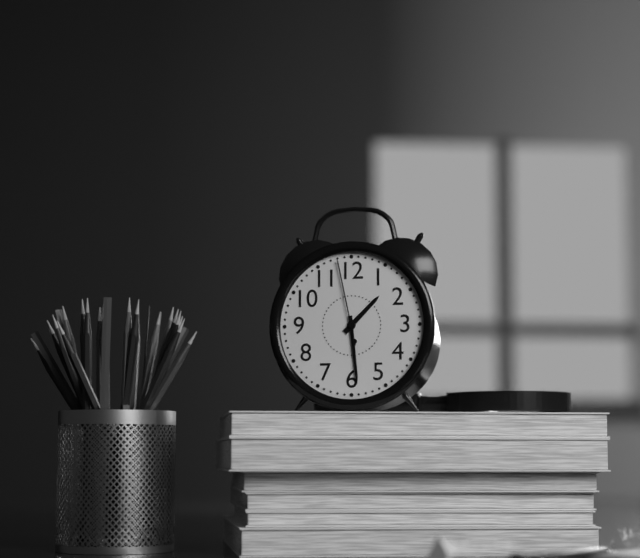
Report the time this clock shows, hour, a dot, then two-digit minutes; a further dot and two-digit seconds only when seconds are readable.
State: 1.29.58
